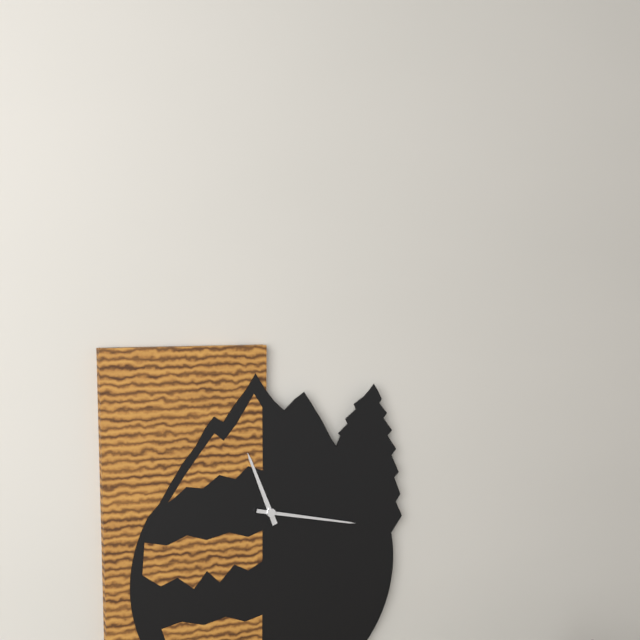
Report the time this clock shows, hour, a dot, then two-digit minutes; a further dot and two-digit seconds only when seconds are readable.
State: 11.17
